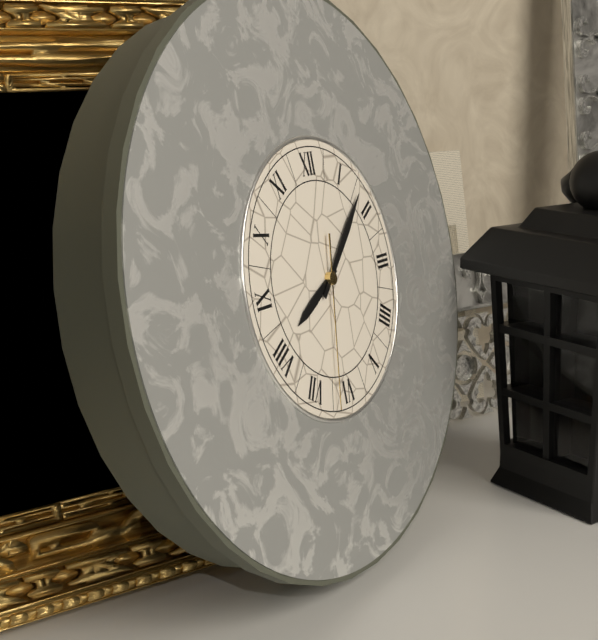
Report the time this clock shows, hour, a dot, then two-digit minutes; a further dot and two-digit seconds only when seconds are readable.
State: 8.08.32
